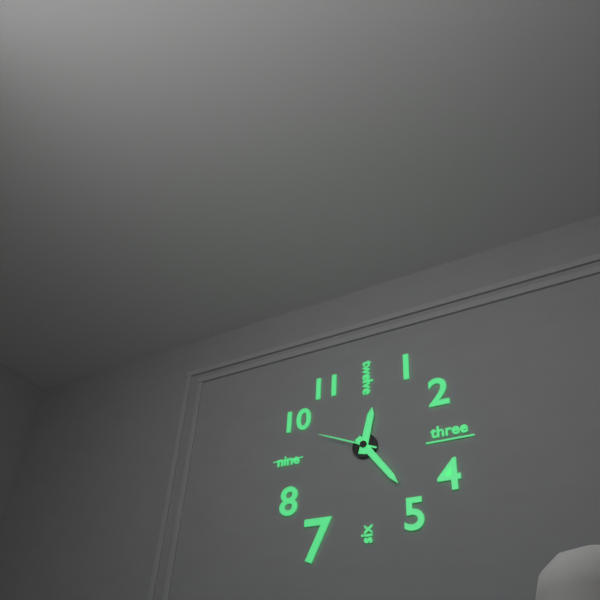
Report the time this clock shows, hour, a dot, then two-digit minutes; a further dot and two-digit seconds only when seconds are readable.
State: 12.24.49
